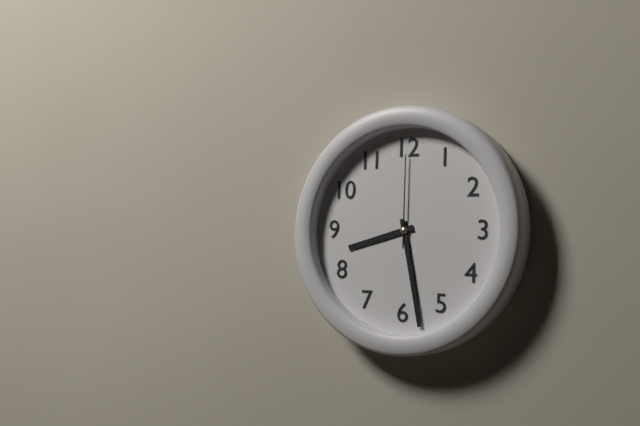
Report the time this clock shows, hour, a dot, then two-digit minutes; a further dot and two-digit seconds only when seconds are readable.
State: 8.28.00
